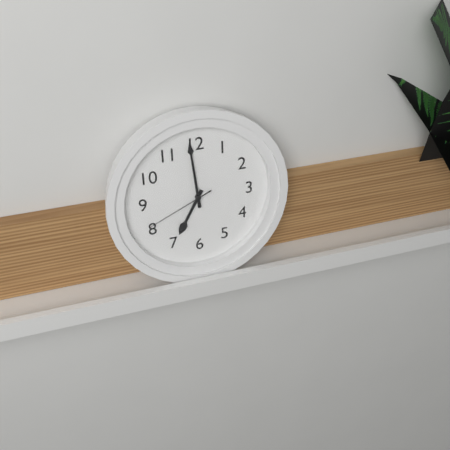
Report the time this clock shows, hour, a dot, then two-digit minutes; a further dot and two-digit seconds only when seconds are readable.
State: 6.59.41
